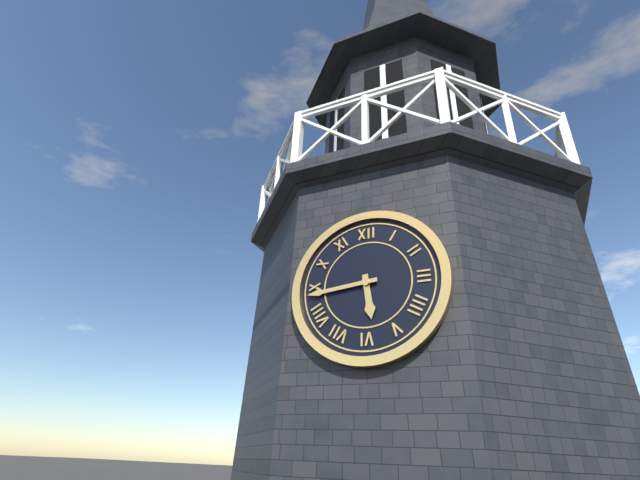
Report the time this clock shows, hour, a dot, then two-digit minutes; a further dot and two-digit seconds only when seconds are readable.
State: 5.44
